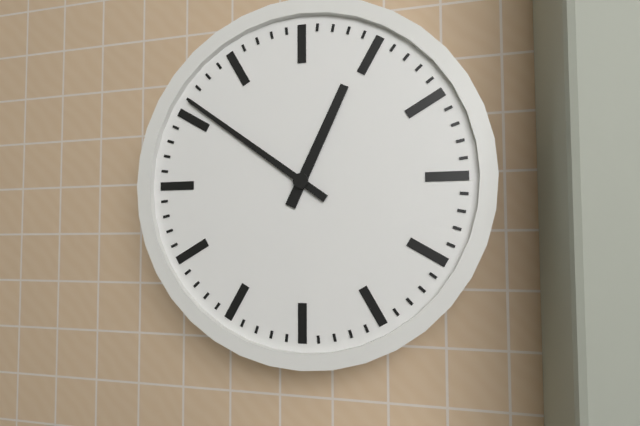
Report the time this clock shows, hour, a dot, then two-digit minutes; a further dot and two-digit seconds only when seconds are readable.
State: 12.51
